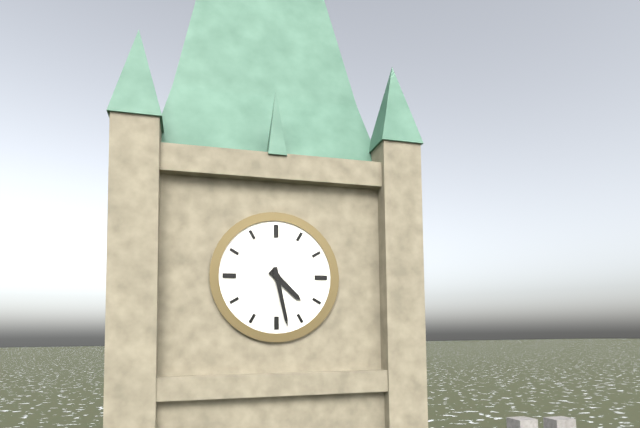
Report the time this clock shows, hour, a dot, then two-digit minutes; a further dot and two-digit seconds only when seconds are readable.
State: 4.28
